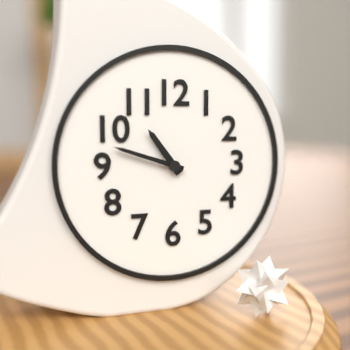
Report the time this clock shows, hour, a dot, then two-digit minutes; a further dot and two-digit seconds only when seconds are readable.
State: 10.48
